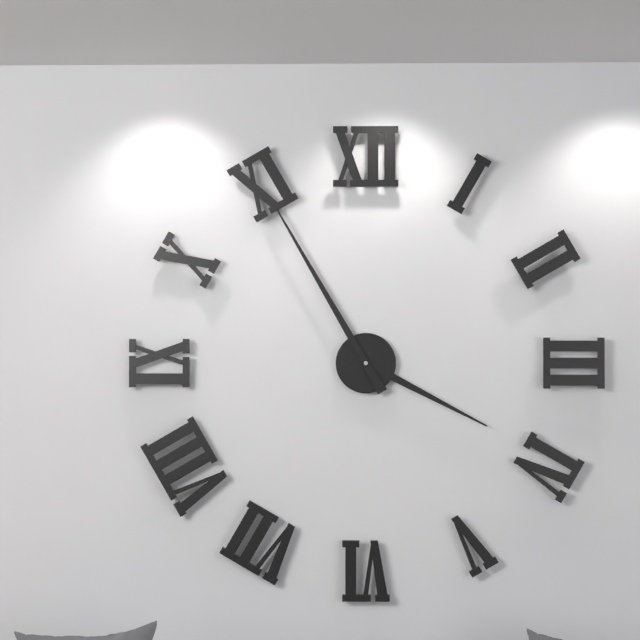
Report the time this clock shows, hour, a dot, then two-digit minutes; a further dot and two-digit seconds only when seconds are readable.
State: 3.55
